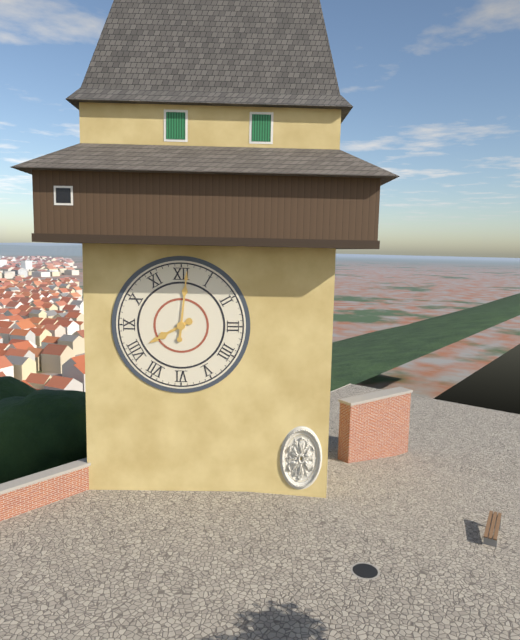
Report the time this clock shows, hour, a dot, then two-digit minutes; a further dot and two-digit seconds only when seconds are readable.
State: 8.01
